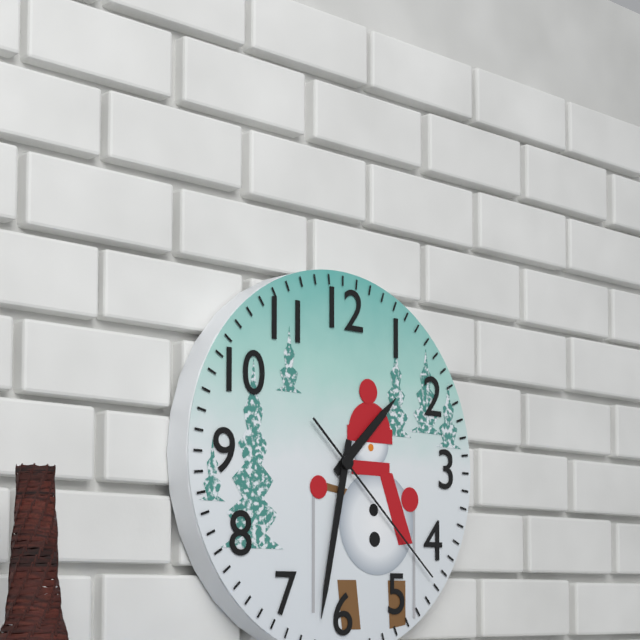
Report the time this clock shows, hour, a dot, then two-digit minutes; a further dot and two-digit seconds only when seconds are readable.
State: 1.32.22
